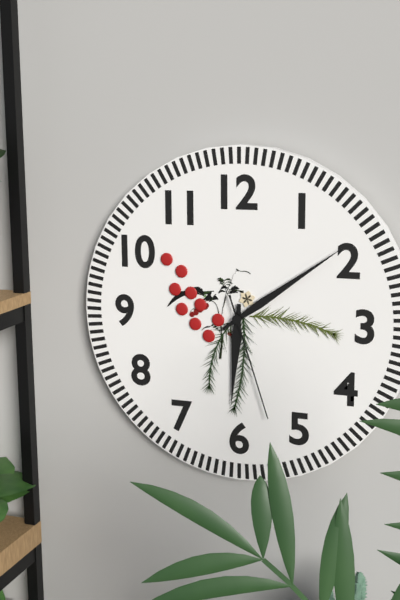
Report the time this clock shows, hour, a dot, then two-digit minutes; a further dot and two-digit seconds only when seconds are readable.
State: 6.09.27
